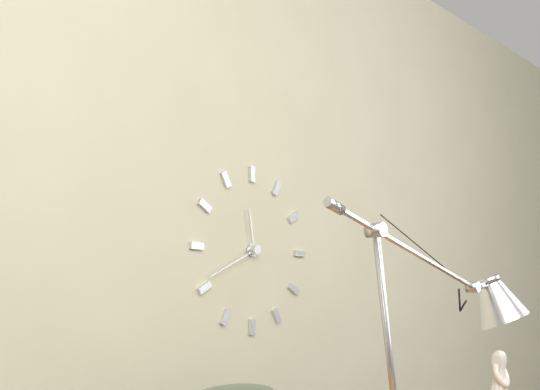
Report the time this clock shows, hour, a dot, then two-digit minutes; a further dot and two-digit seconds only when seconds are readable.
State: 11.41
